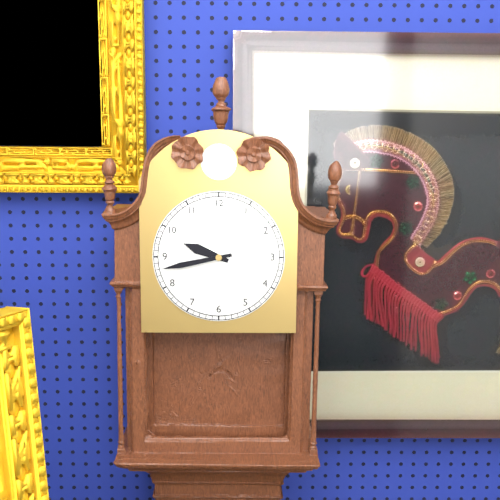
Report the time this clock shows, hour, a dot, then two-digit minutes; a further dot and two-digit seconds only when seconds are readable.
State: 9.43
